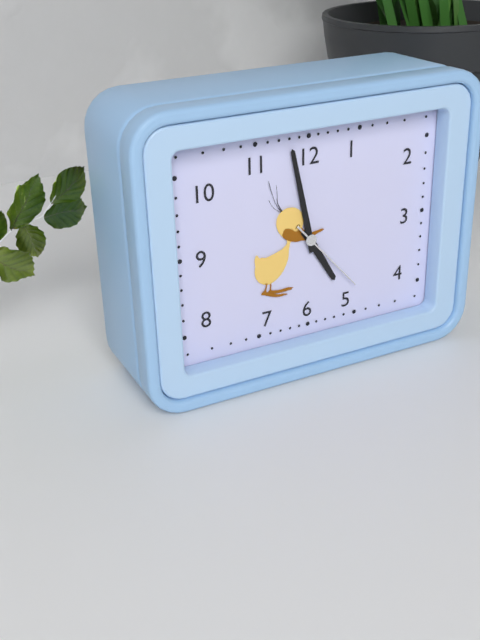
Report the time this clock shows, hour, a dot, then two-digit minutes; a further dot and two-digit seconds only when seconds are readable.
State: 4.58.23
